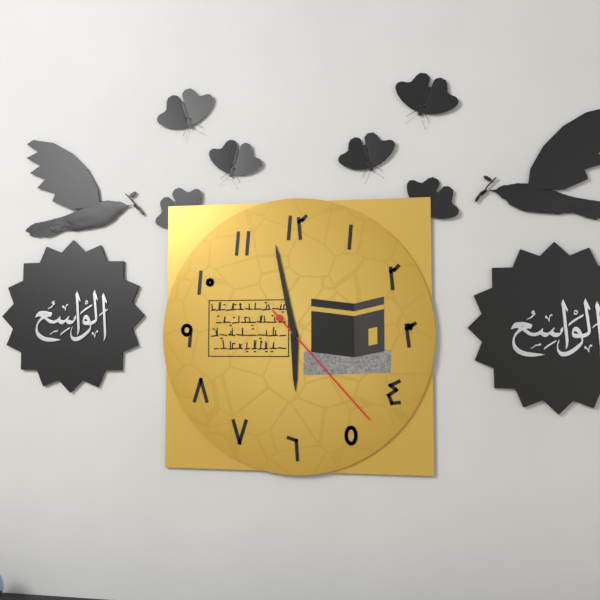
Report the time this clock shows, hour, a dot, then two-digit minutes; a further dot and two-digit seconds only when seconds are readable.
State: 5.58.23
